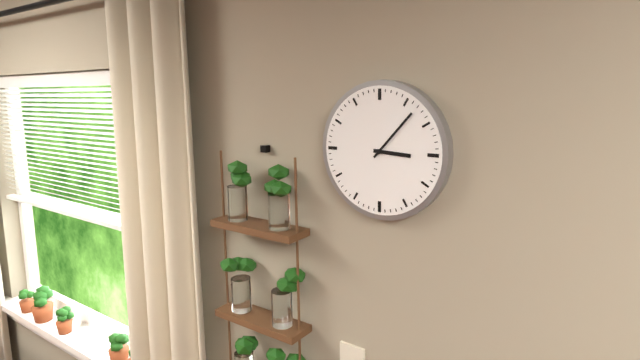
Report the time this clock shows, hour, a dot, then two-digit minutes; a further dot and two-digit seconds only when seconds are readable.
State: 3.07
